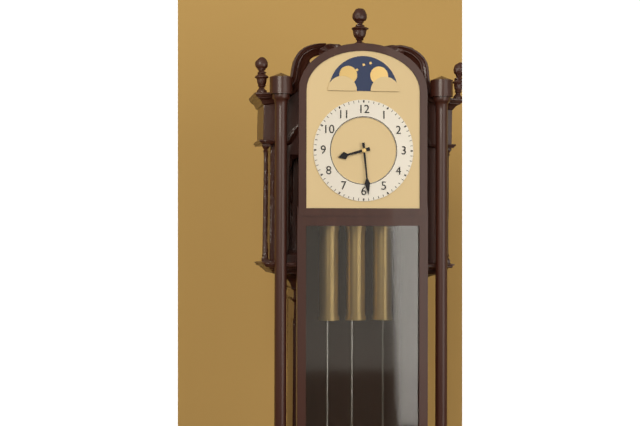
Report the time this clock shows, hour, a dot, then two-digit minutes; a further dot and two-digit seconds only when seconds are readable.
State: 8.29
